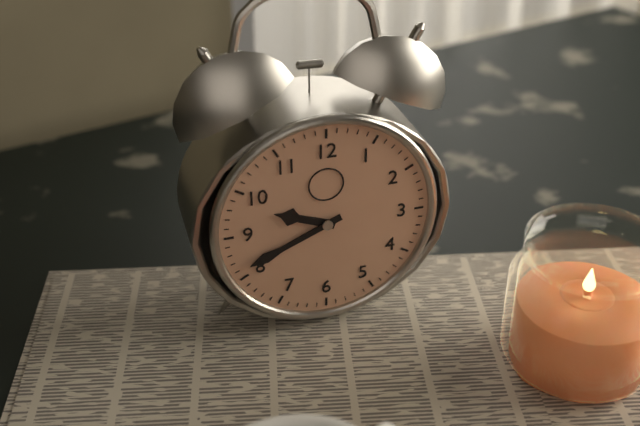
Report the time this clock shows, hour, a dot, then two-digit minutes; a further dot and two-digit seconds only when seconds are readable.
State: 9.41
